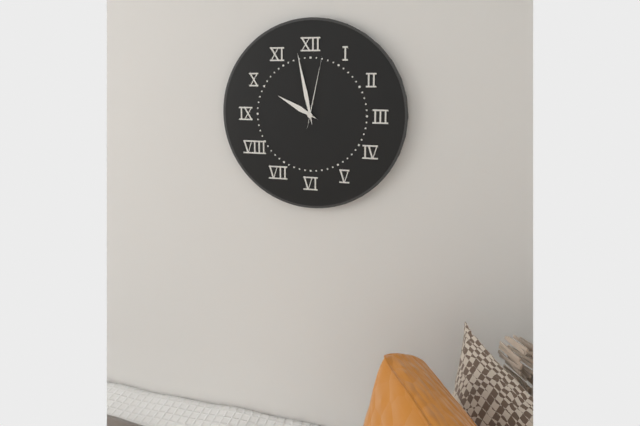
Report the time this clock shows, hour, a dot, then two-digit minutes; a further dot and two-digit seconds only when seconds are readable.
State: 9.58.02
